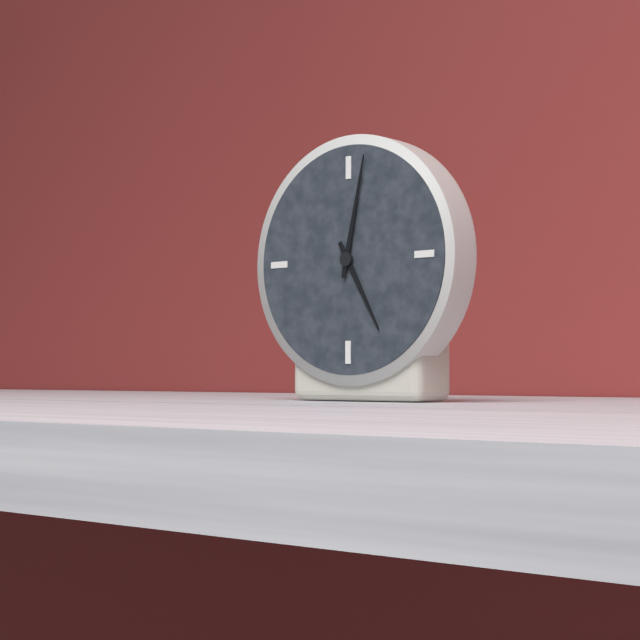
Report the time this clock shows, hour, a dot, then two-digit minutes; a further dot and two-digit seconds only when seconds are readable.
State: 5.02
